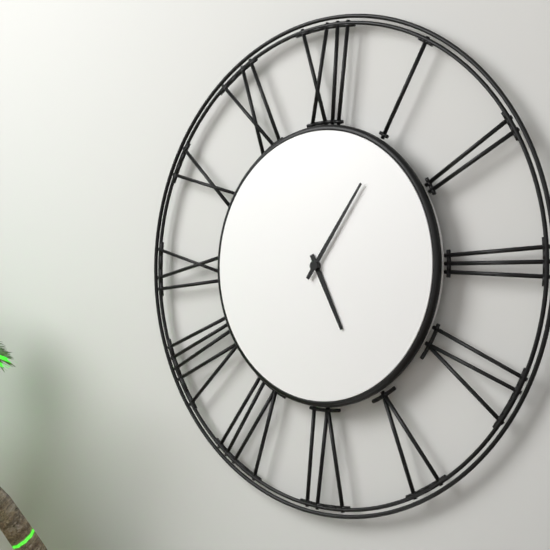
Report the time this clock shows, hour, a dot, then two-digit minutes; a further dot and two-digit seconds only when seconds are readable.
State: 5.06
